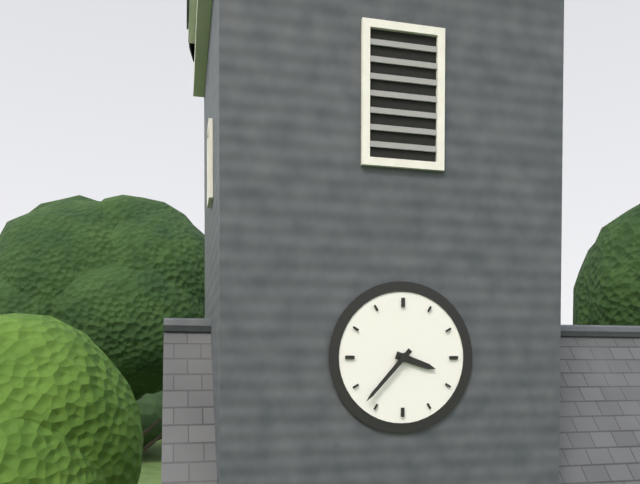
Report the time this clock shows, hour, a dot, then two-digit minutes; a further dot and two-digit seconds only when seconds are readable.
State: 3.37
